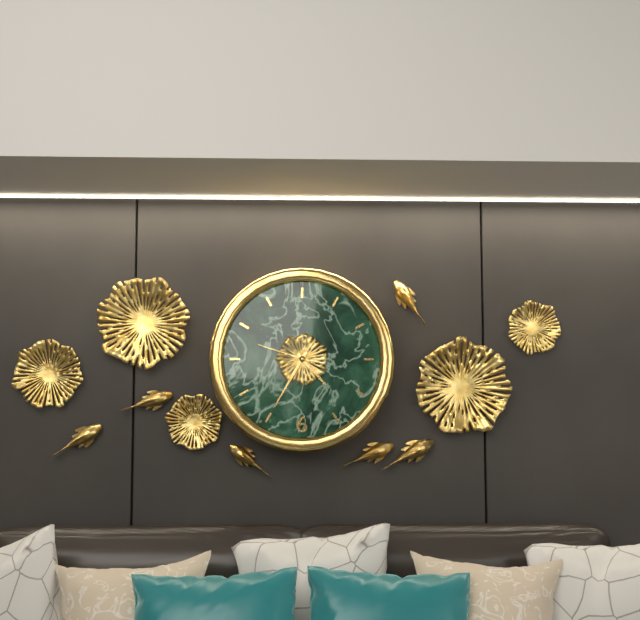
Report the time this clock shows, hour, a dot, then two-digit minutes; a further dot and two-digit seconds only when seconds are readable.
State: 4.35.48
